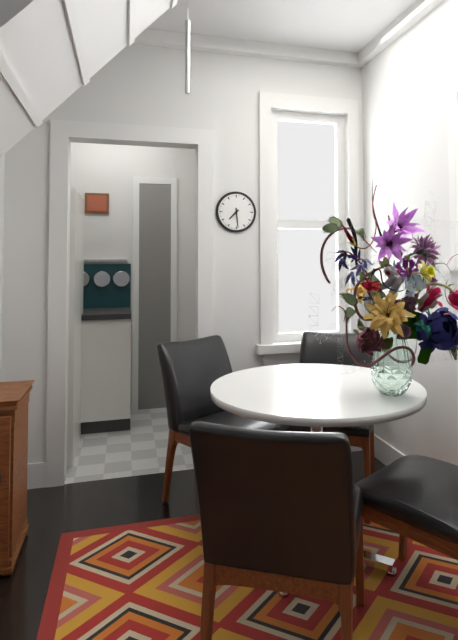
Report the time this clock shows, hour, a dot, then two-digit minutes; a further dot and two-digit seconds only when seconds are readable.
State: 7.29
